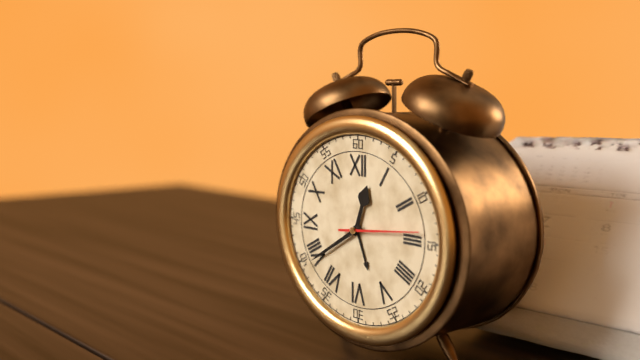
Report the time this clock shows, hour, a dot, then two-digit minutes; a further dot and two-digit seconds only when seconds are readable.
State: 12.40.14
